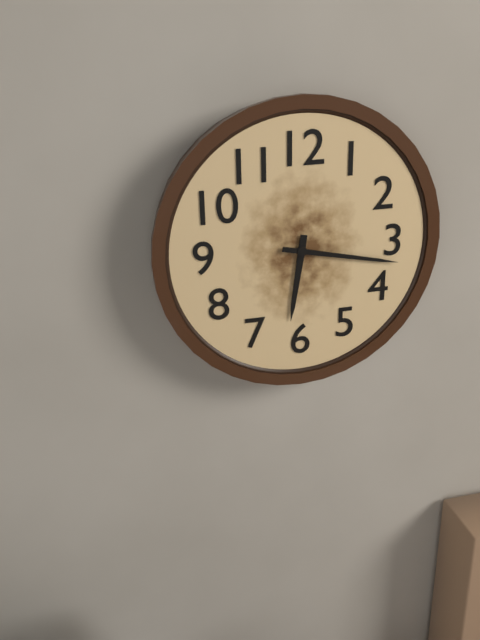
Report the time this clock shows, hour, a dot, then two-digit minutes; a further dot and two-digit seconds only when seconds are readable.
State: 6.17
